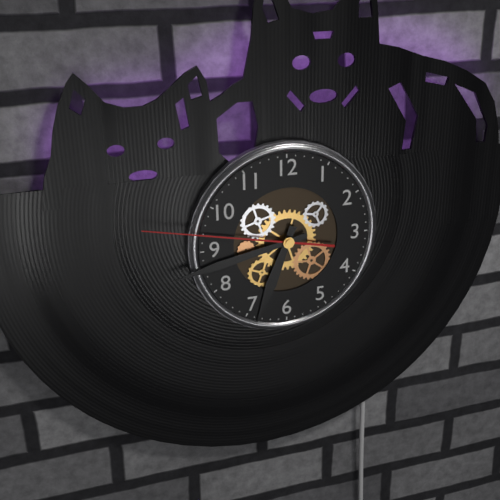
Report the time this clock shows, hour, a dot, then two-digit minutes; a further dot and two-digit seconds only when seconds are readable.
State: 6.43.47
